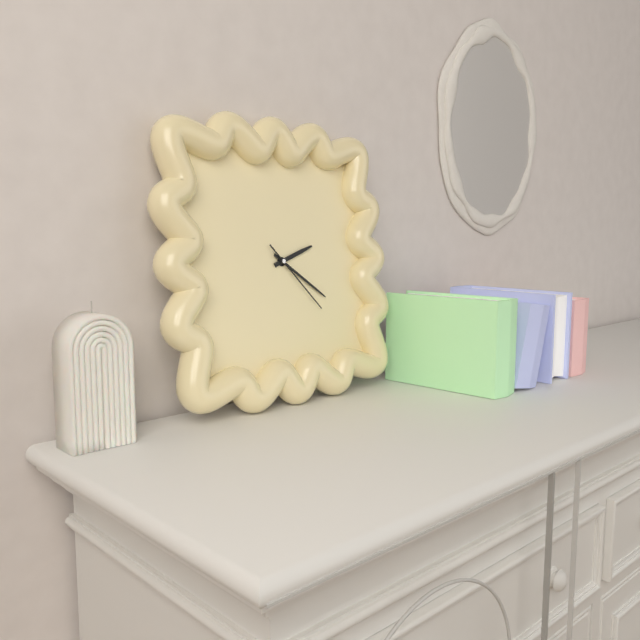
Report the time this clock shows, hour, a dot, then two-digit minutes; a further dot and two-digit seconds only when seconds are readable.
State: 2.21.23
